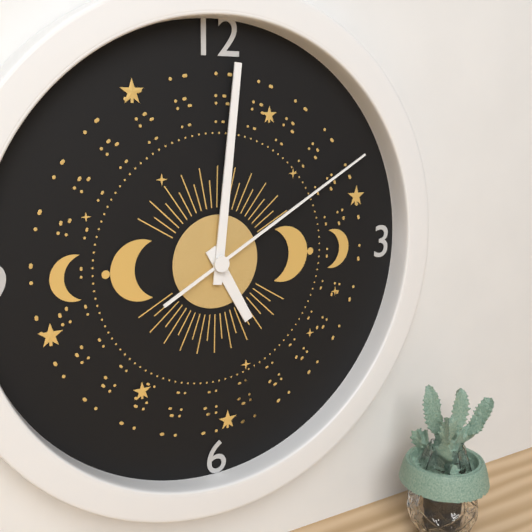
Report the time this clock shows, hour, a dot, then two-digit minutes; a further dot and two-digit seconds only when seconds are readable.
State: 5.01.10
